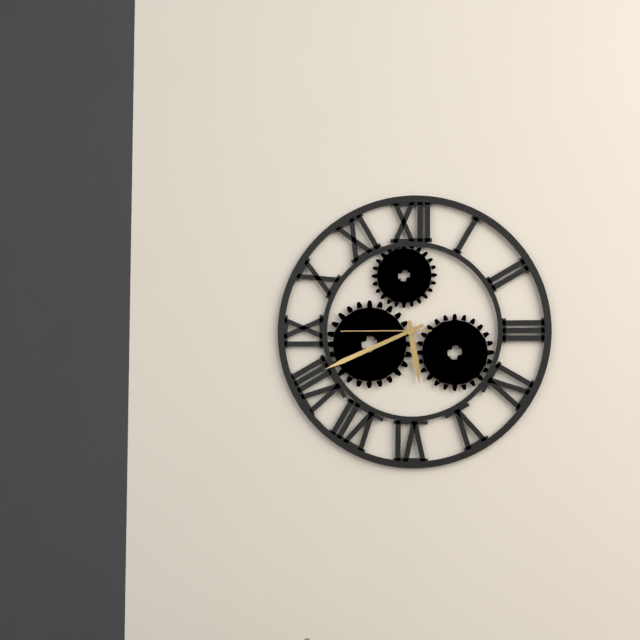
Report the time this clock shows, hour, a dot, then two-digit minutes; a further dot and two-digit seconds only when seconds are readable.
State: 5.41.45
